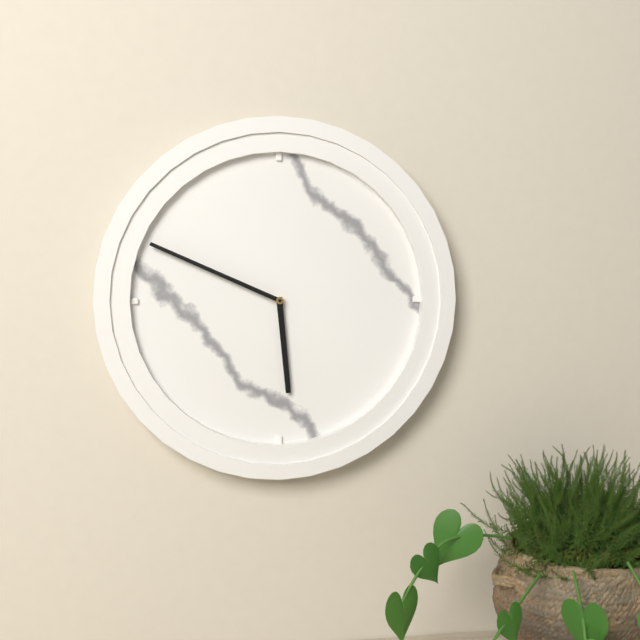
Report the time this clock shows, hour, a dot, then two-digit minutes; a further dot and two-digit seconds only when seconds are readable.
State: 5.49
